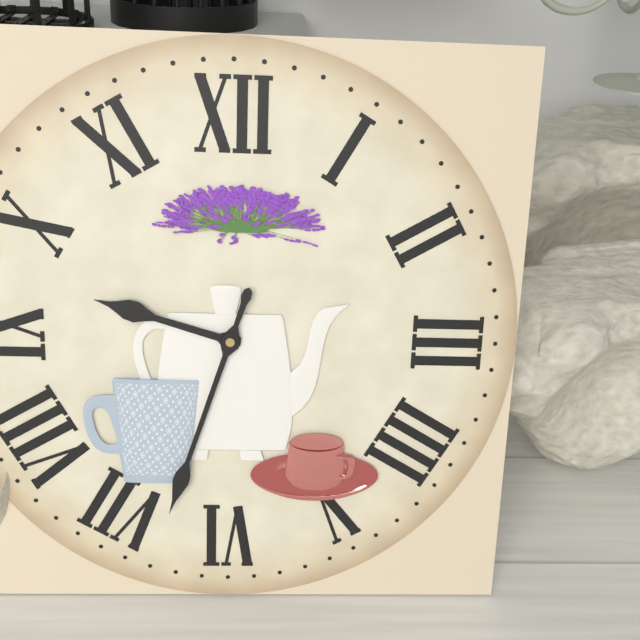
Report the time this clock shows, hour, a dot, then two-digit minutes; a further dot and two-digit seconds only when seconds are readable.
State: 9.33
